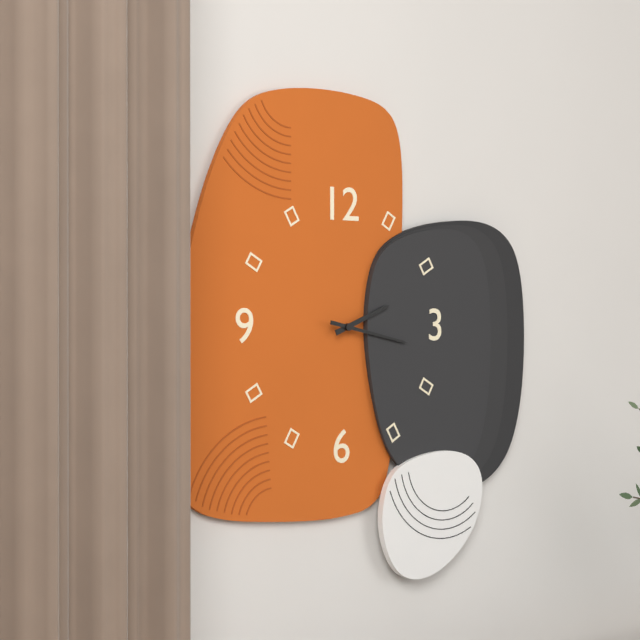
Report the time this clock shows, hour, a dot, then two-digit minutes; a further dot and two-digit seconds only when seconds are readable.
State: 2.17
